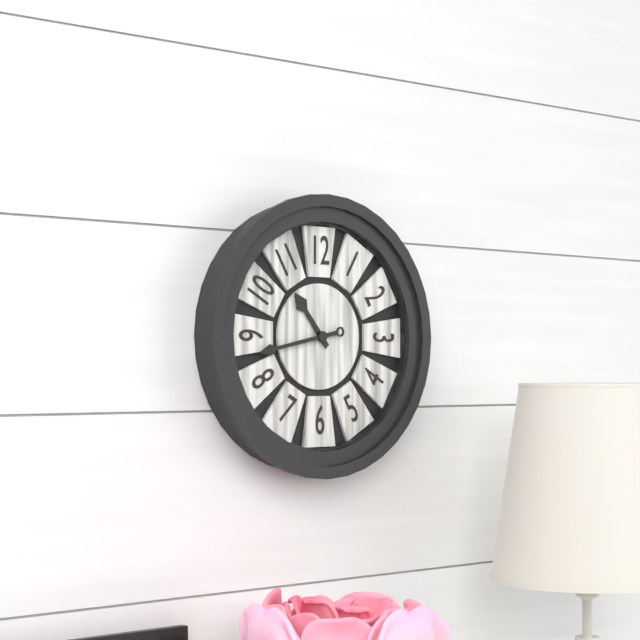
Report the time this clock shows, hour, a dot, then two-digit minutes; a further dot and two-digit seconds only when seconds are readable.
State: 10.43
